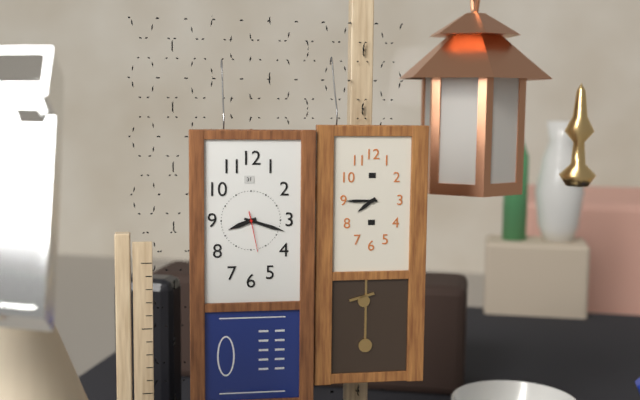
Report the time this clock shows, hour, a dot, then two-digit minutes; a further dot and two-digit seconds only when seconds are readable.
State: 8.18
